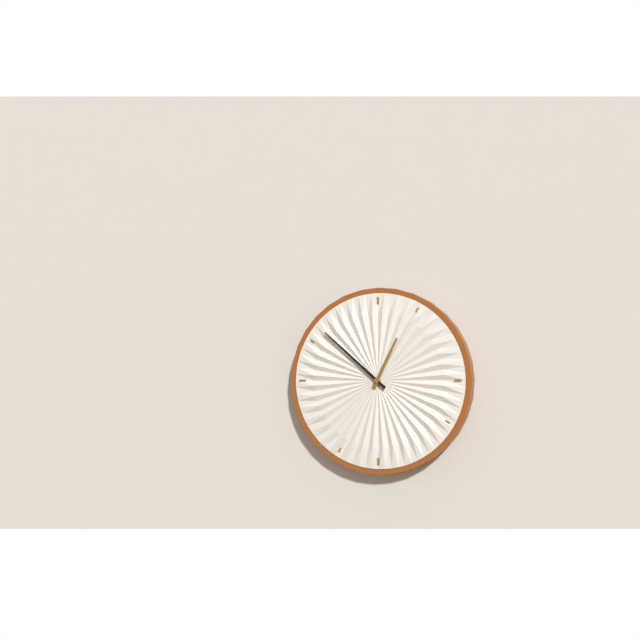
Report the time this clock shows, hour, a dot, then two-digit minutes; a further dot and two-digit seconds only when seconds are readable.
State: 12.52
